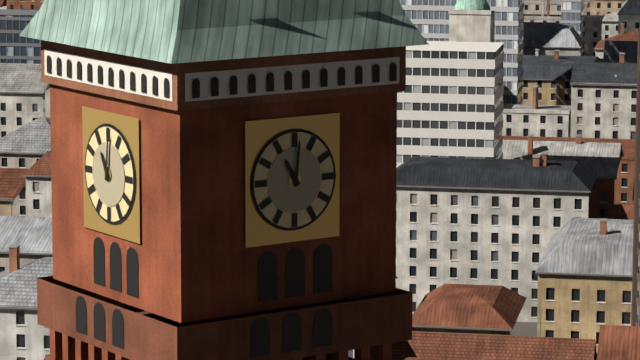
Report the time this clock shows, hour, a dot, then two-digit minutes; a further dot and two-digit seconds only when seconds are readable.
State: 11.01
